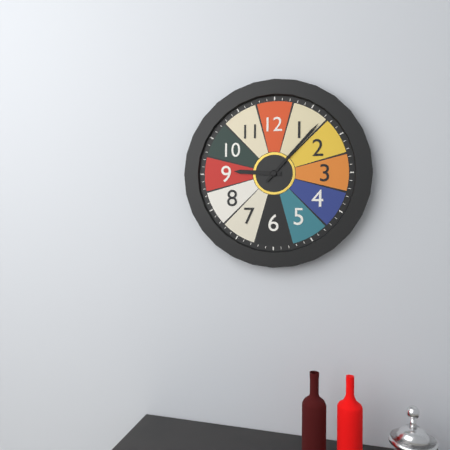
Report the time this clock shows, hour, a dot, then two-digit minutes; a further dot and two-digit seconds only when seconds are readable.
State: 9.07
